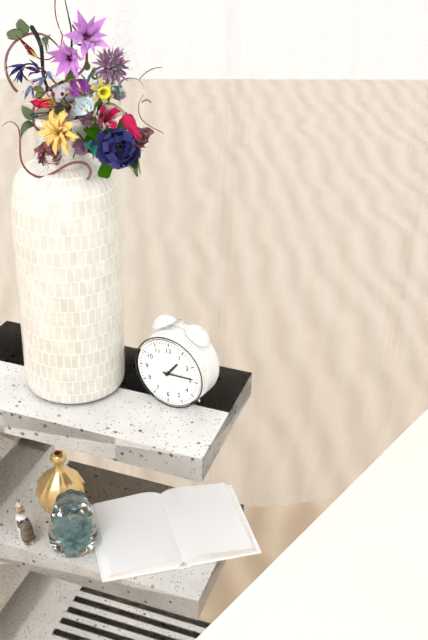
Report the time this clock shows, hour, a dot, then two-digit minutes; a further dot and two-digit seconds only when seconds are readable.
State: 1.14
